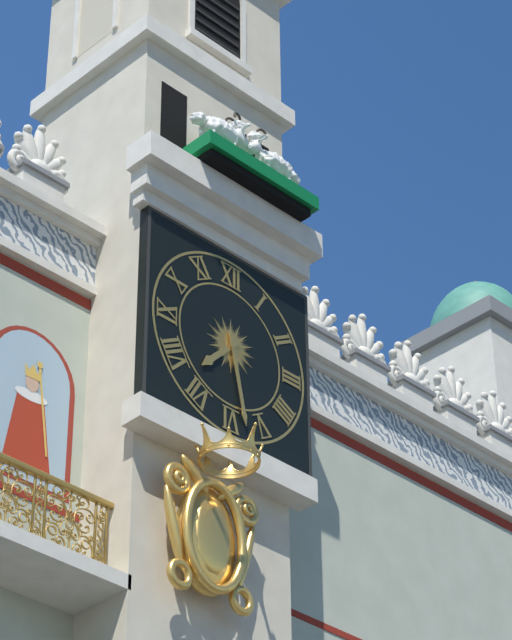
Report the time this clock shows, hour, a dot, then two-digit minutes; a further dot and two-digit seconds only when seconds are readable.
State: 7.28
